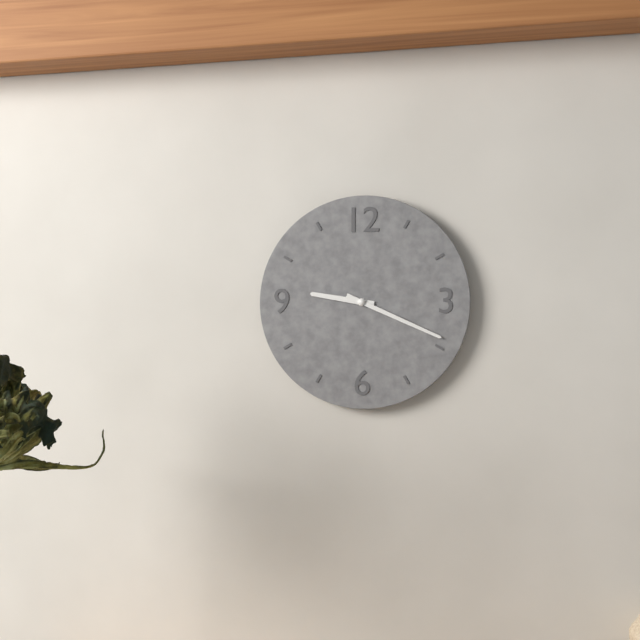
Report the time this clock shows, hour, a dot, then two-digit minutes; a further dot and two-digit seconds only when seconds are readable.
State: 9.19
